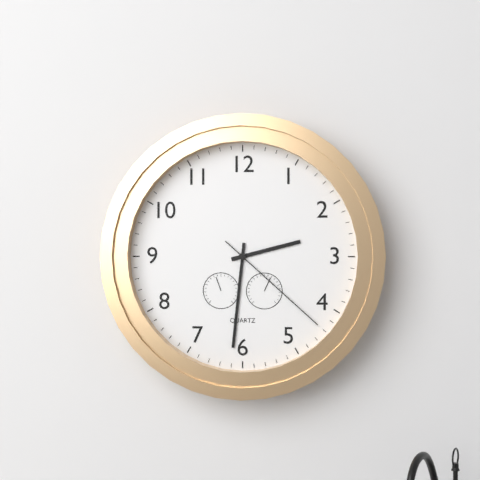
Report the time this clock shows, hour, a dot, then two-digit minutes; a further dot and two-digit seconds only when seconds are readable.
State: 2.31.22
